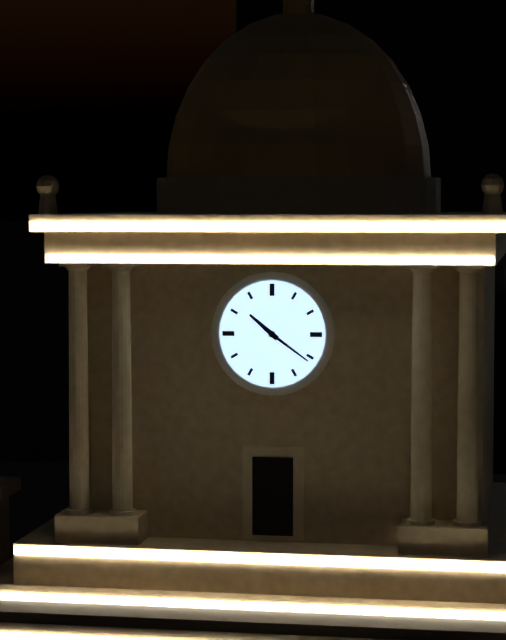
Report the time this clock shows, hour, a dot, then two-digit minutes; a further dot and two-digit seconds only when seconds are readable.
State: 10.21
